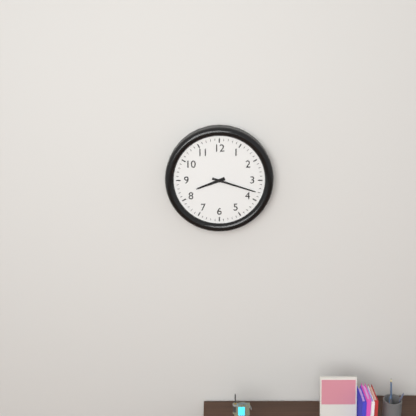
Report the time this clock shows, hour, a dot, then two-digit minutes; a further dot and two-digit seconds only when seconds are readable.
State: 8.18
